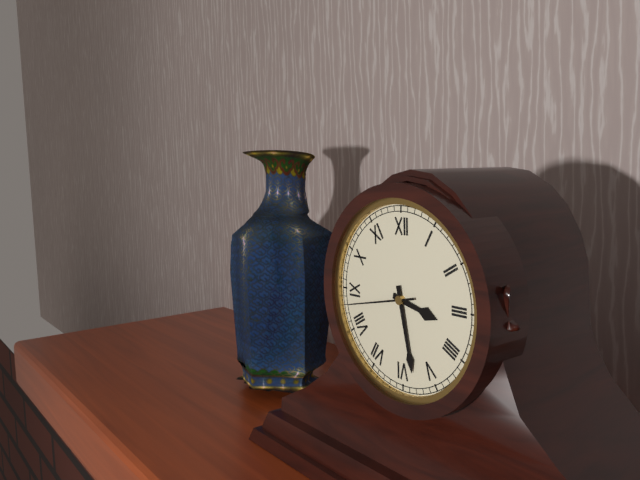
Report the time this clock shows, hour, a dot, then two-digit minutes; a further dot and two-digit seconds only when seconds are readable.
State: 3.28.43
